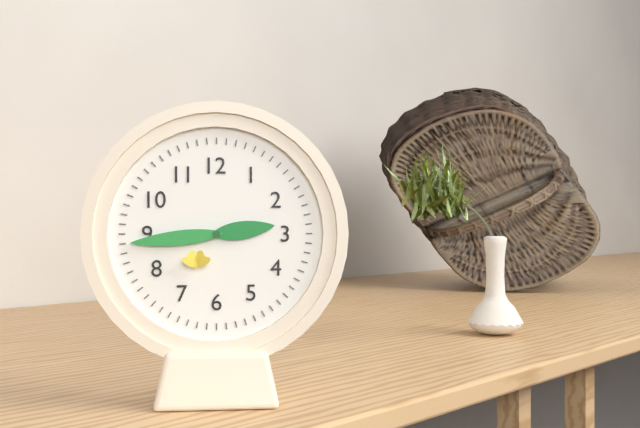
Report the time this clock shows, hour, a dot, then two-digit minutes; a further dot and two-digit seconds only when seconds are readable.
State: 2.44
